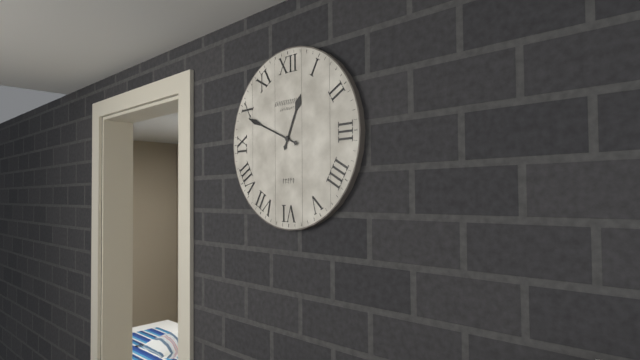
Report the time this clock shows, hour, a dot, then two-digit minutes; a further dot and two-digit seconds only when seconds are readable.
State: 12.49
